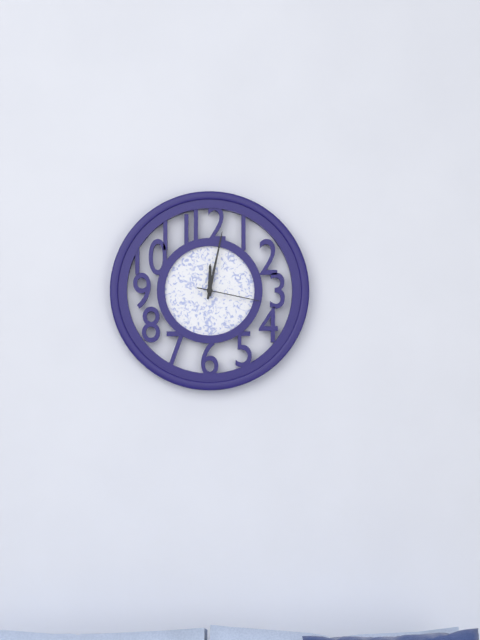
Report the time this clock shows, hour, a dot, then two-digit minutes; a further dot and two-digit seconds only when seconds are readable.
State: 12.02.17
